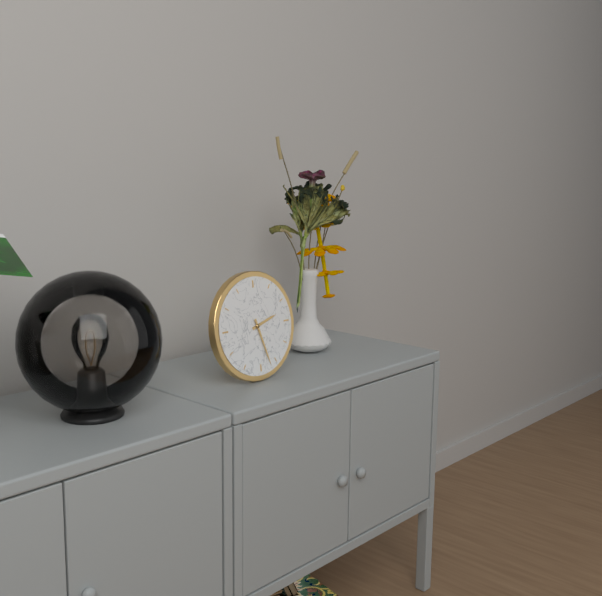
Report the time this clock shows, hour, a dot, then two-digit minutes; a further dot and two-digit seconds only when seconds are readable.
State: 2.27
